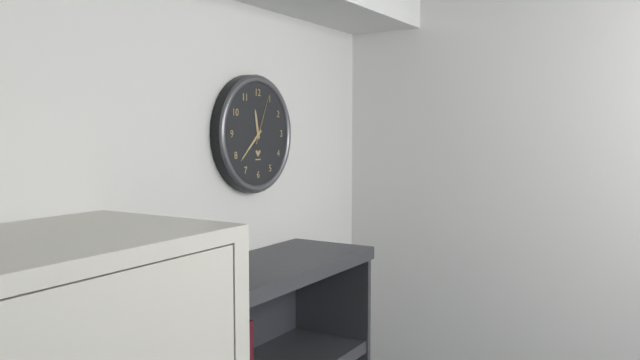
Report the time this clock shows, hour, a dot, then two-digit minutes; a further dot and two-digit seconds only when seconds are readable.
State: 11.38.04
